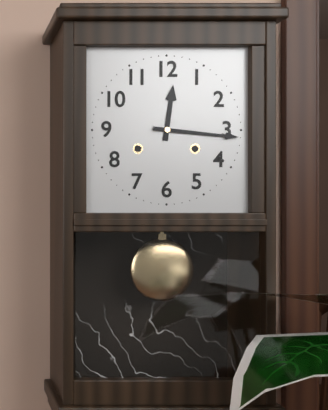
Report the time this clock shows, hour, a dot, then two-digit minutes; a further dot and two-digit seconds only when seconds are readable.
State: 12.16
